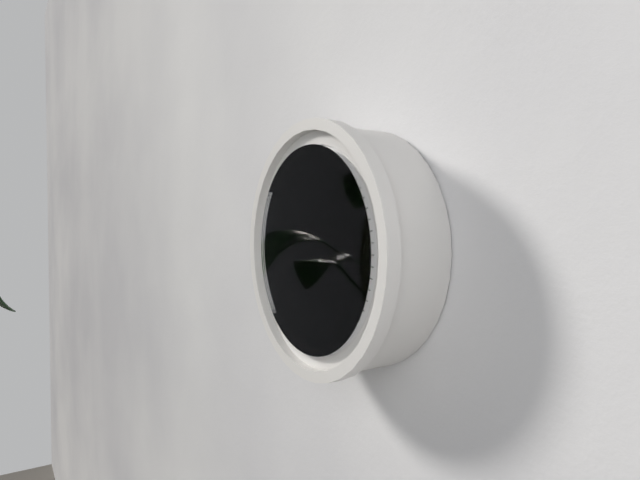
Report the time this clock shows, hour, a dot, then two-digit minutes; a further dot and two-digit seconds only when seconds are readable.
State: 11.00.03
